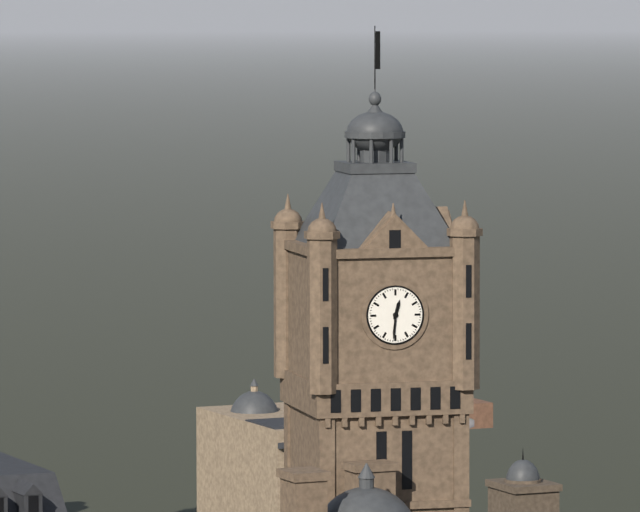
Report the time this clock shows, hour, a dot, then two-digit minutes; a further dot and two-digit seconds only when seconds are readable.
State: 12.31
